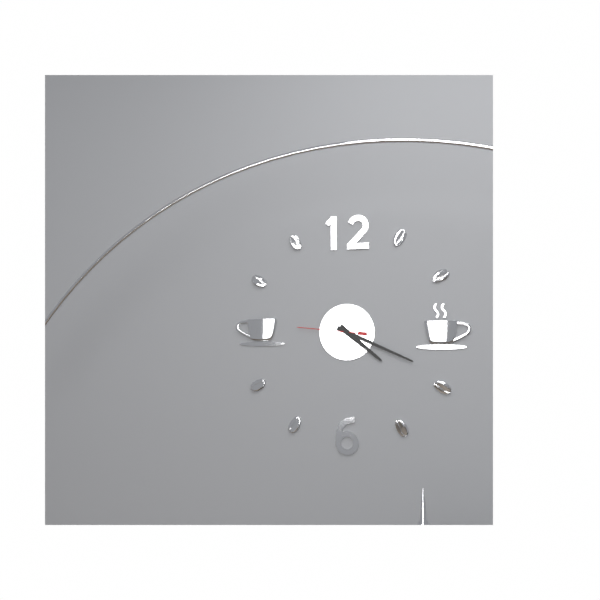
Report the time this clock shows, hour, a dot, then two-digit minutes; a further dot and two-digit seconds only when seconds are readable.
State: 4.19.46
